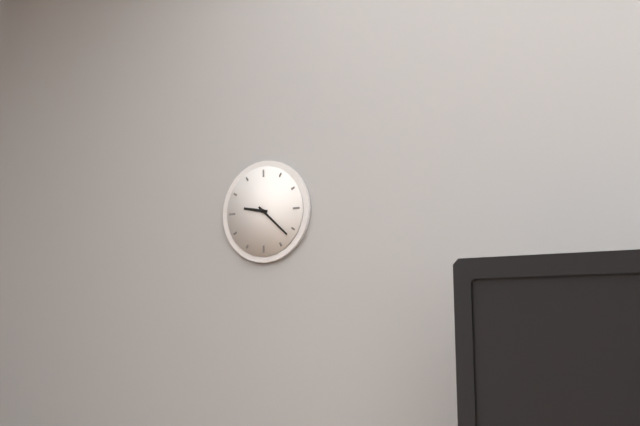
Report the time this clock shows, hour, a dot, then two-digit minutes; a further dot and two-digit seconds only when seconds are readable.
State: 9.22
